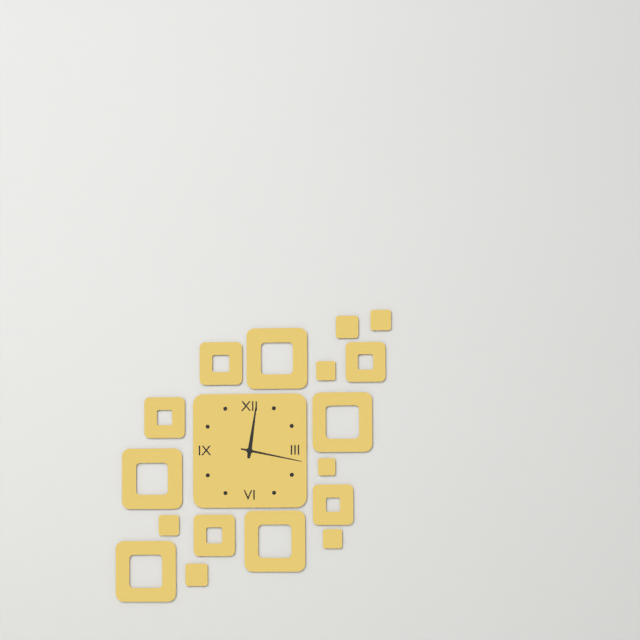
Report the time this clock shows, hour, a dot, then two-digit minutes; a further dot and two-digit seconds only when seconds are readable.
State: 12.17
